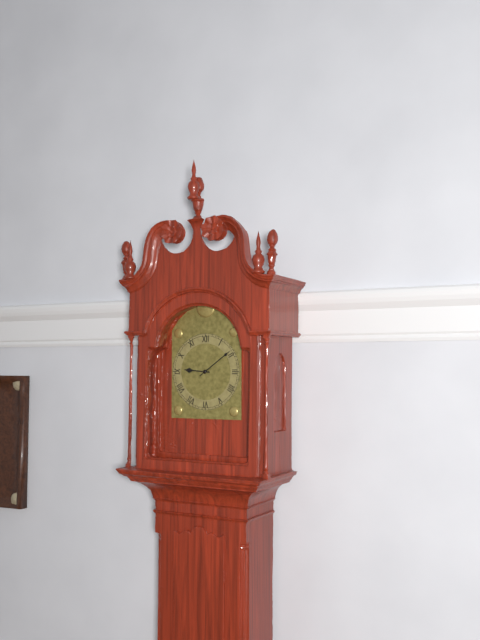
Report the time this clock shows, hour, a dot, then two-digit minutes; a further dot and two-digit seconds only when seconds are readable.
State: 9.09
